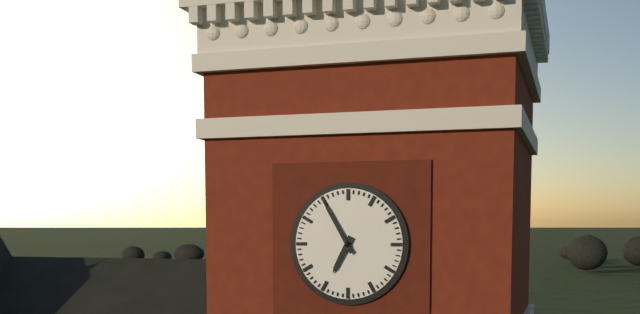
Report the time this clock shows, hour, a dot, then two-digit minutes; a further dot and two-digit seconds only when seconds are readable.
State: 6.55
